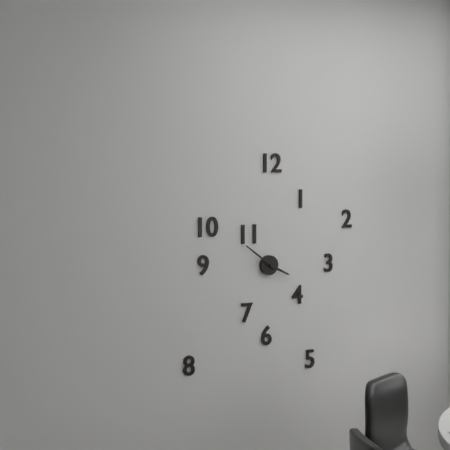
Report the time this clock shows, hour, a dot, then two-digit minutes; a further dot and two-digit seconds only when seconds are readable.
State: 3.51
